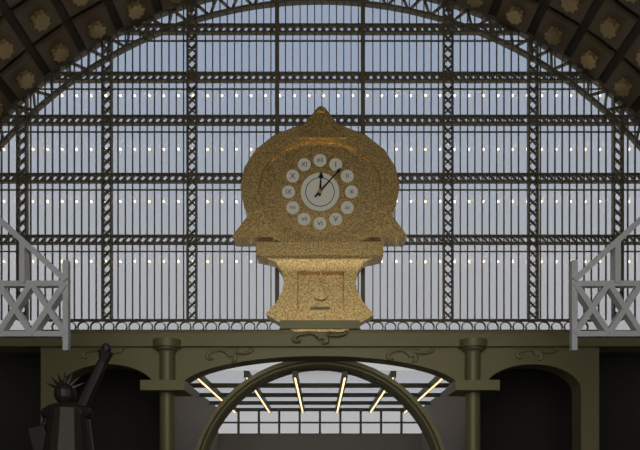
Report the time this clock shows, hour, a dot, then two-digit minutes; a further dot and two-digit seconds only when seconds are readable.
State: 12.07
